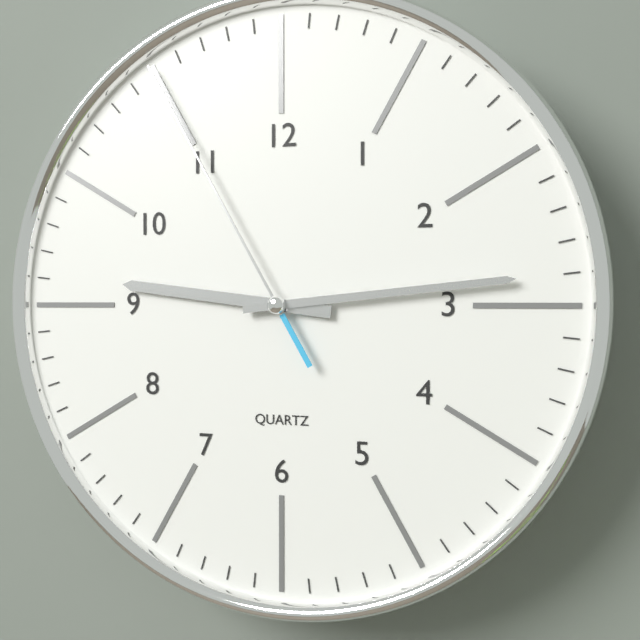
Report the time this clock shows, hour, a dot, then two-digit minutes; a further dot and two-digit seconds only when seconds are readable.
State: 9.14.55
